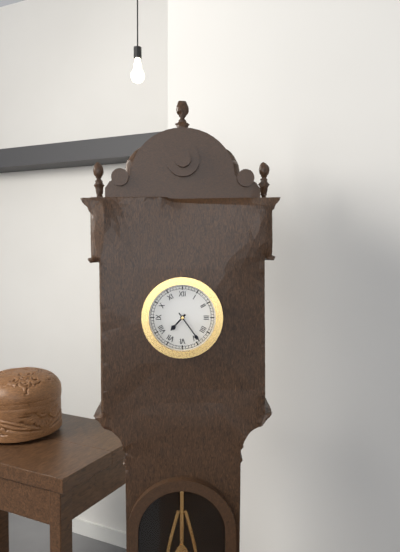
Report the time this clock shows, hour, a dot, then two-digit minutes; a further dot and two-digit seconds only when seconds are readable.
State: 7.24
